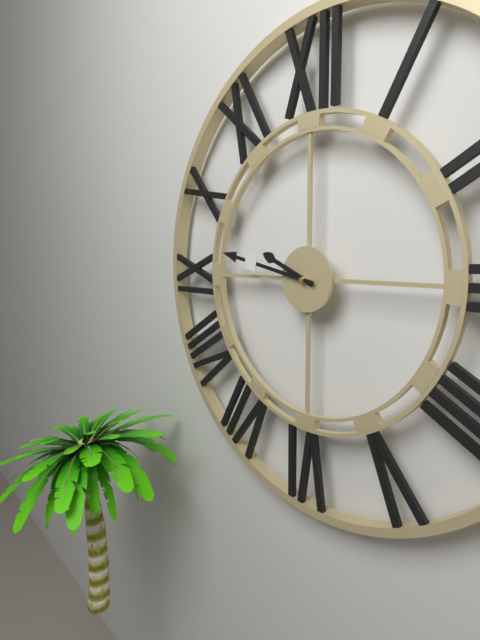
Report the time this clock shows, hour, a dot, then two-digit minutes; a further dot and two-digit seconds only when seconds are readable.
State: 9.47
